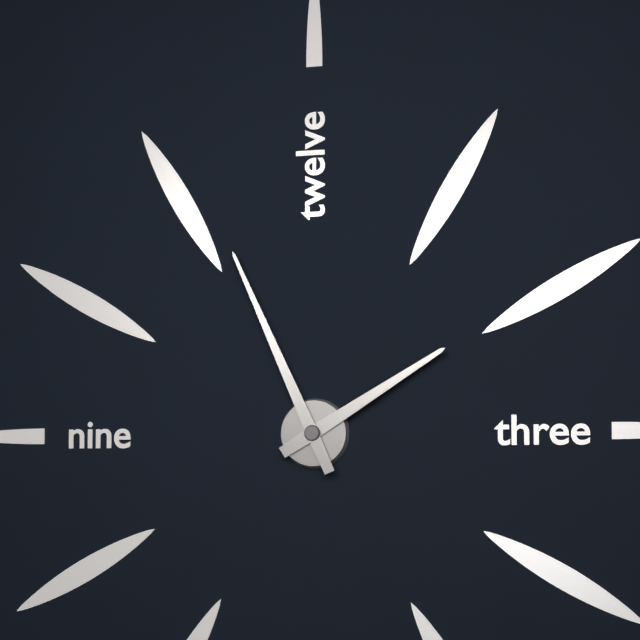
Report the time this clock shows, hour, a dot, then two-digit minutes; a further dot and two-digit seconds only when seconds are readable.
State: 1.56
